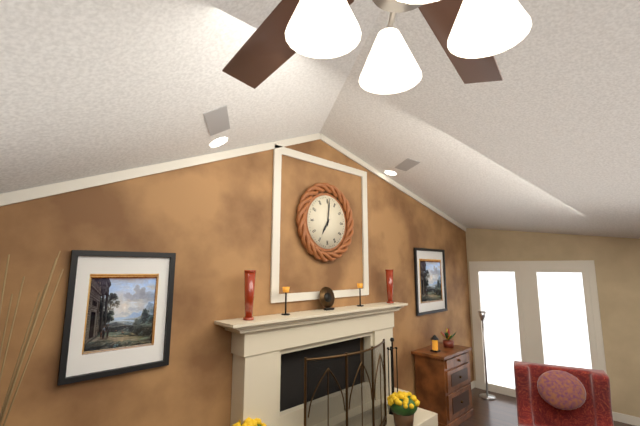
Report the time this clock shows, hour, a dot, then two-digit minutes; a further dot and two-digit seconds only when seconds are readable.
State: 7.01
